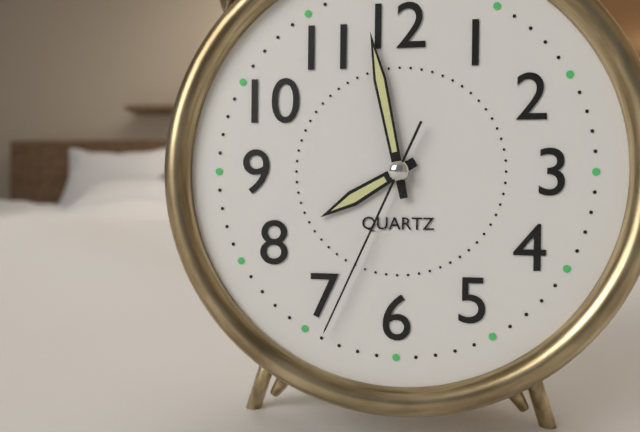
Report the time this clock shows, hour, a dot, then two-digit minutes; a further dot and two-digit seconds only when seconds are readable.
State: 7.58.34
